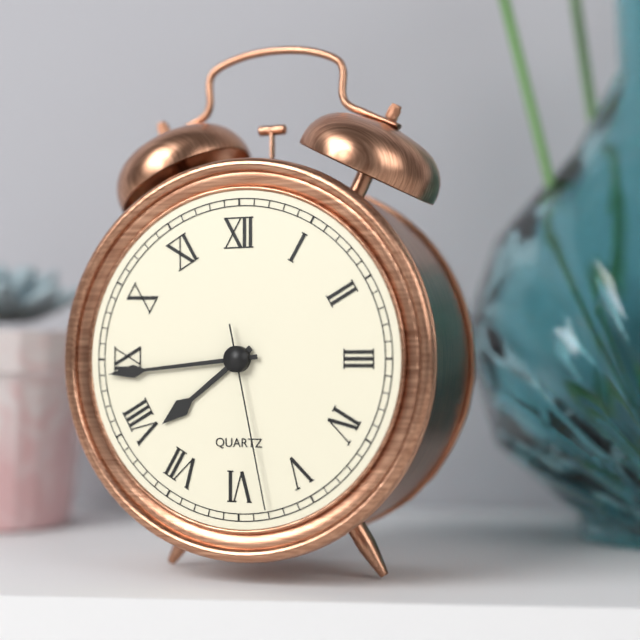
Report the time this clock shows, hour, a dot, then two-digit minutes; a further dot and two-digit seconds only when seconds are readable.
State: 7.44.28
